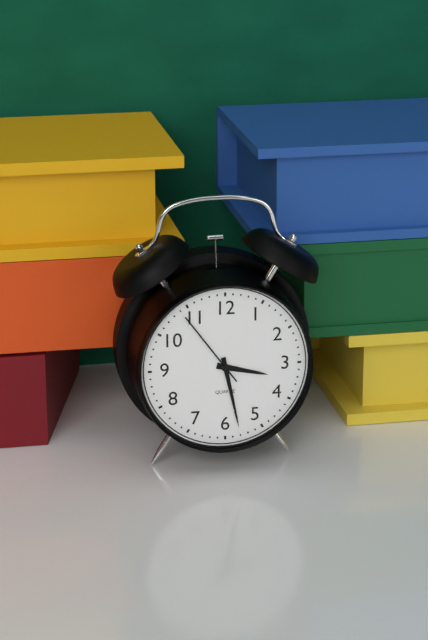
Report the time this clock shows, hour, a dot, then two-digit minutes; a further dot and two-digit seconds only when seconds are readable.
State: 3.28.54
